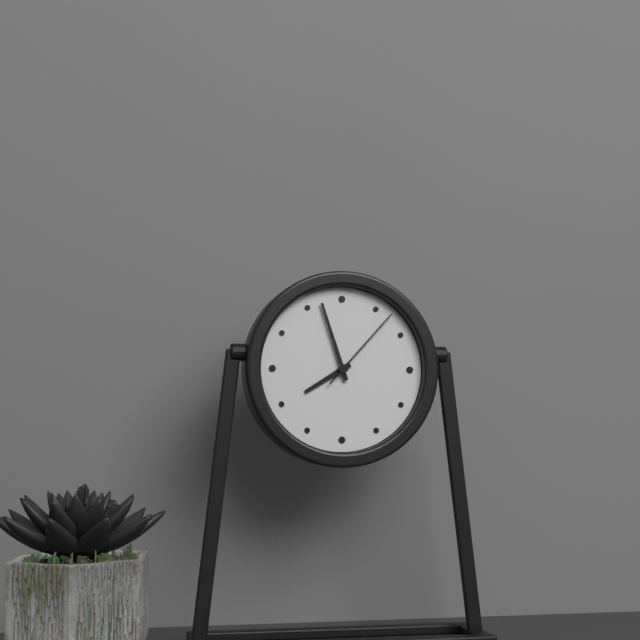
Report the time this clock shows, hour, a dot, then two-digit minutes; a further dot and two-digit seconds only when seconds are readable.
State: 7.57.07
